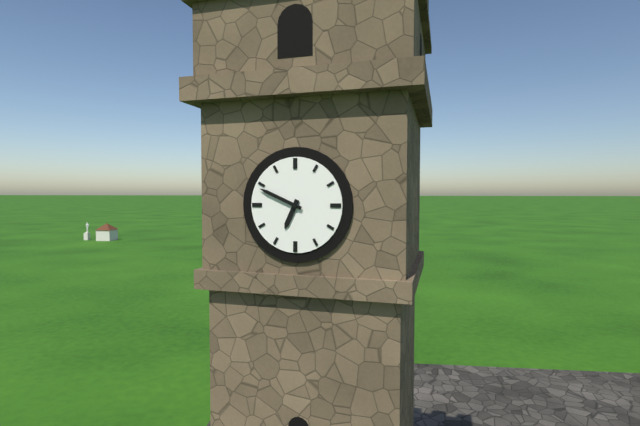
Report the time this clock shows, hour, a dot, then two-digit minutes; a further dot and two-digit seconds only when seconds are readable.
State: 6.49
